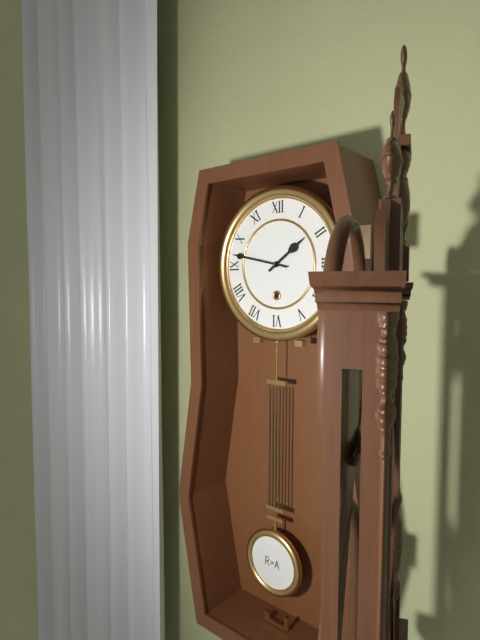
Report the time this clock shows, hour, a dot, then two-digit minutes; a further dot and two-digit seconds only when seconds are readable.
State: 1.47
